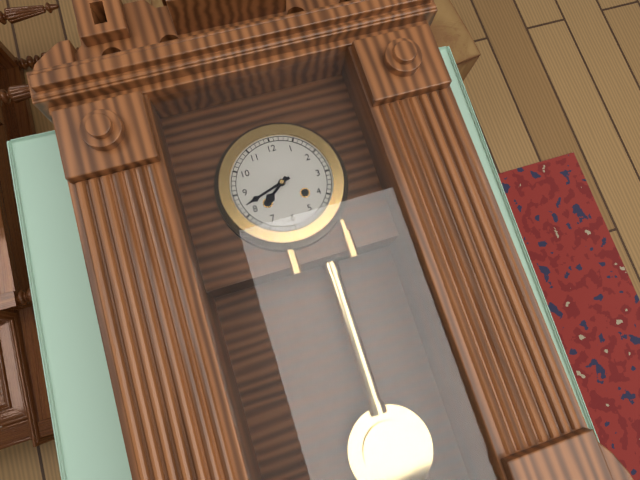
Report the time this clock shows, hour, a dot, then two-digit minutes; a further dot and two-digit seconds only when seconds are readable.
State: 7.42
